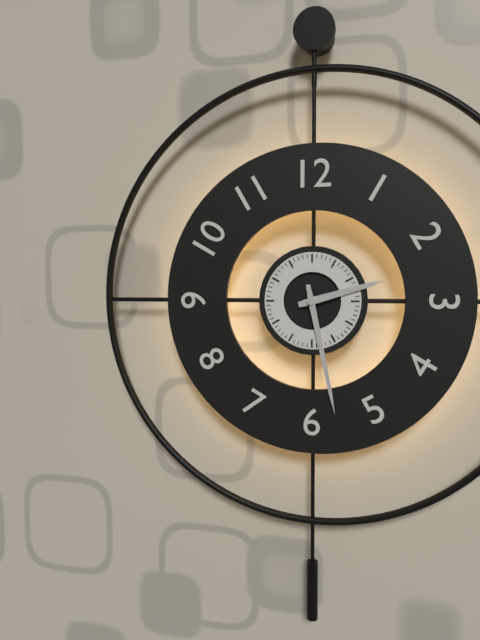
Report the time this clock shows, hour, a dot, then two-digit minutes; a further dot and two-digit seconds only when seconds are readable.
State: 2.28
